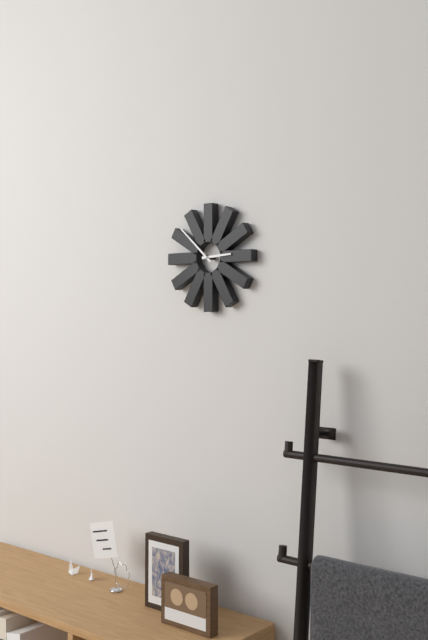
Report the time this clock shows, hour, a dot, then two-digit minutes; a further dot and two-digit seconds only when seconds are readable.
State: 2.52
